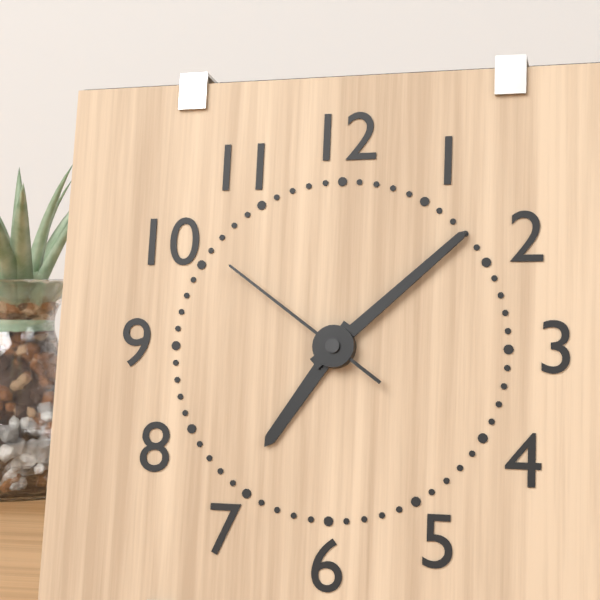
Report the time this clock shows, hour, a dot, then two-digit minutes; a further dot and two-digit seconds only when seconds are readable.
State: 7.08.51
